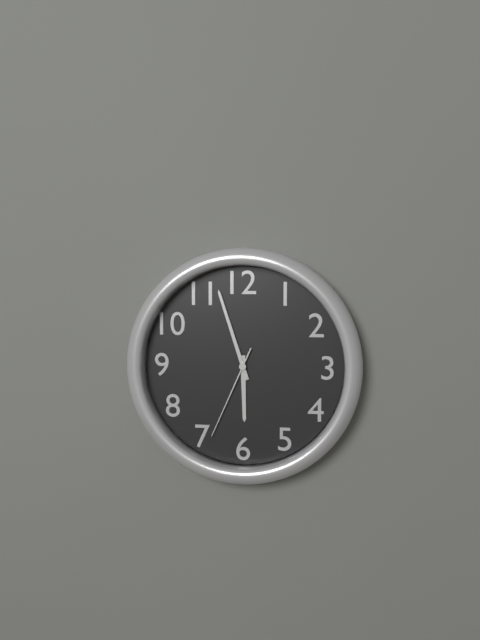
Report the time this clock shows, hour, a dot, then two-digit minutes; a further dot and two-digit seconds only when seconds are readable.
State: 5.57.34
